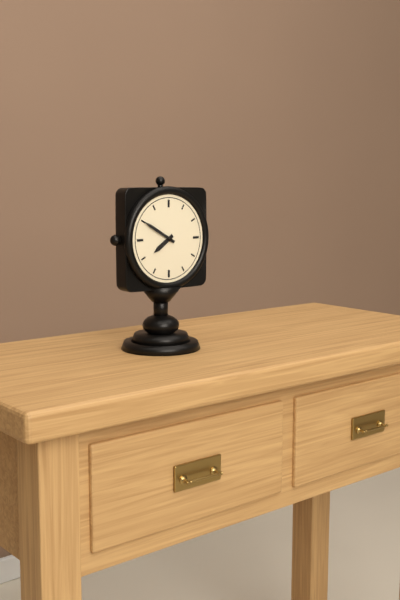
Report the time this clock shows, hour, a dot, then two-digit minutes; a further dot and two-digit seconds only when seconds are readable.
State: 7.50
